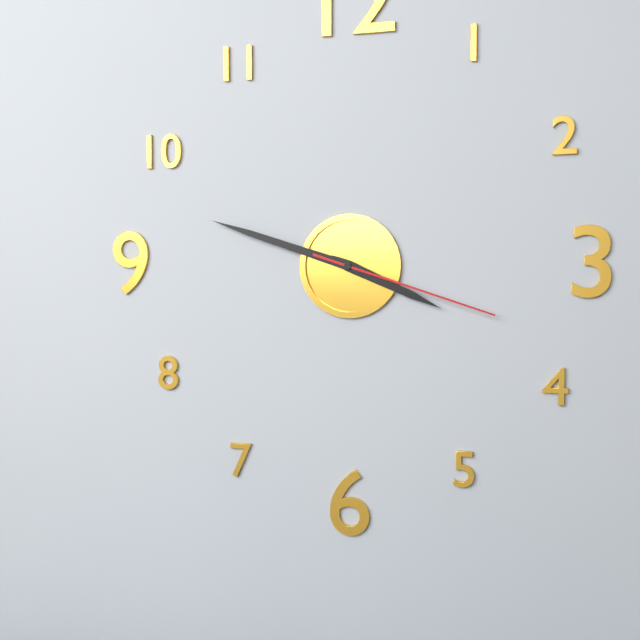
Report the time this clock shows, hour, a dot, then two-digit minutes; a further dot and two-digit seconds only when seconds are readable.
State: 3.48.18
